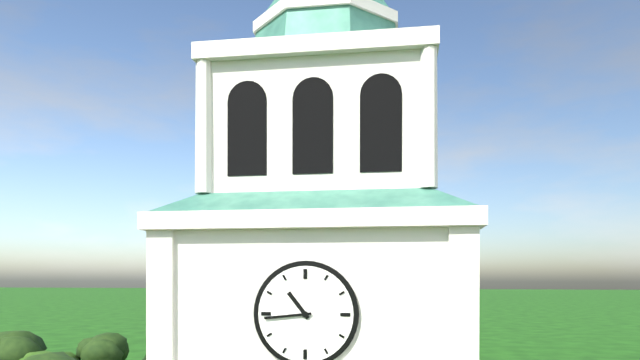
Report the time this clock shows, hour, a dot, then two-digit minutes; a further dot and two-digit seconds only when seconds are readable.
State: 10.44
